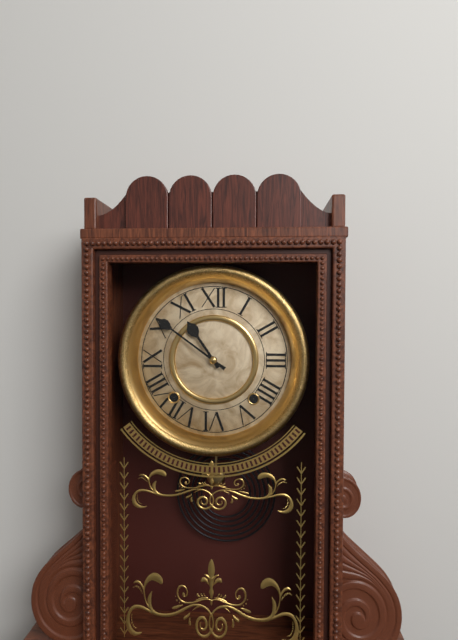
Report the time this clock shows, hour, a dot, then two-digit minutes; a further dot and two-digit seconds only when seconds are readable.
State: 10.51
